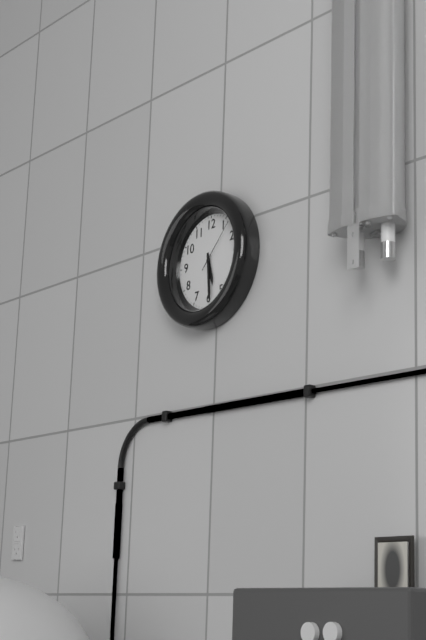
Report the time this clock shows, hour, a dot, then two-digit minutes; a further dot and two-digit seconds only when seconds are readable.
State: 5.29.07
